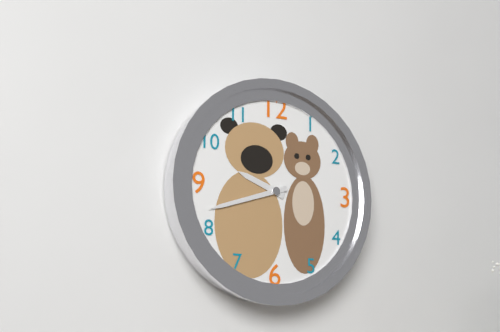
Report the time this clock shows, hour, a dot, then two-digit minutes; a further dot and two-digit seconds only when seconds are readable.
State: 9.42
